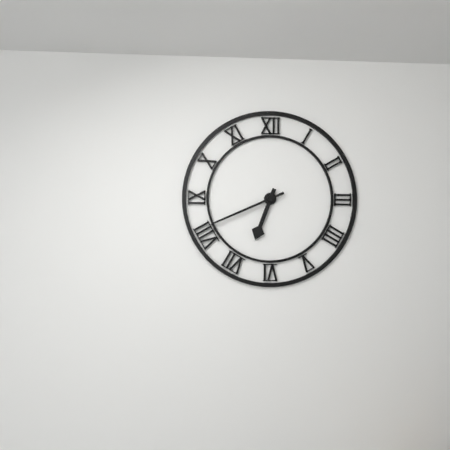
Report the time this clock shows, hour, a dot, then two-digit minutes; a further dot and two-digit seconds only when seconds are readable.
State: 6.41
